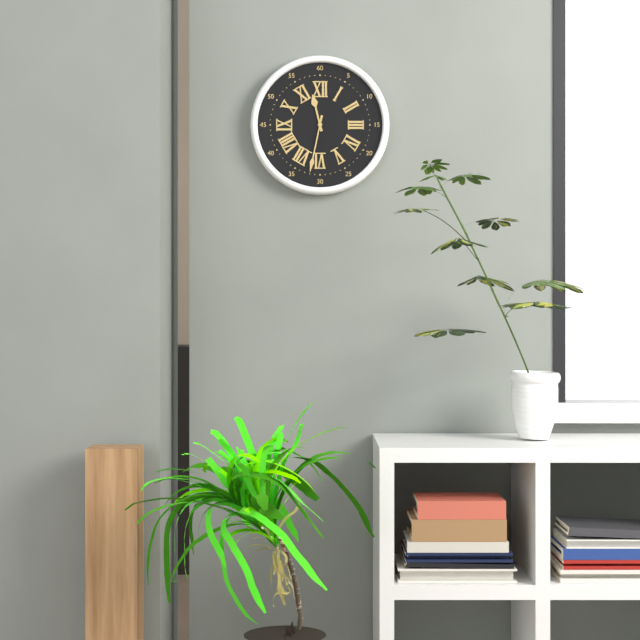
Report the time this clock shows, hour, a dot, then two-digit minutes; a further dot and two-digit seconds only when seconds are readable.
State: 11.32
